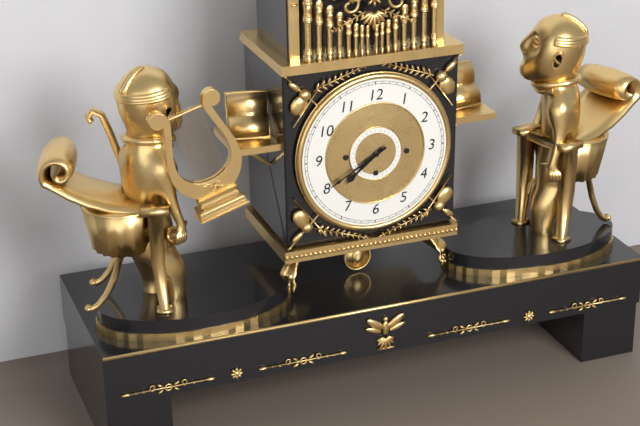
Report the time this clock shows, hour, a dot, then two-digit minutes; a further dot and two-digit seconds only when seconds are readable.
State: 7.40
